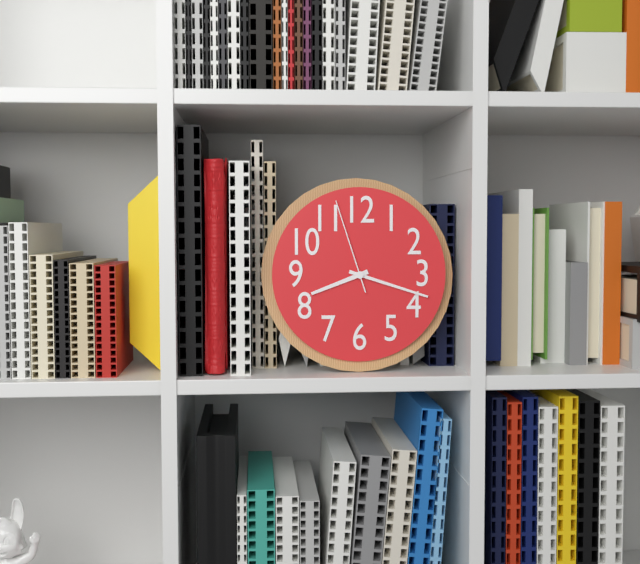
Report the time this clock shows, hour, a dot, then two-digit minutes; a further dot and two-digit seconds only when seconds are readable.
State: 8.18.57
